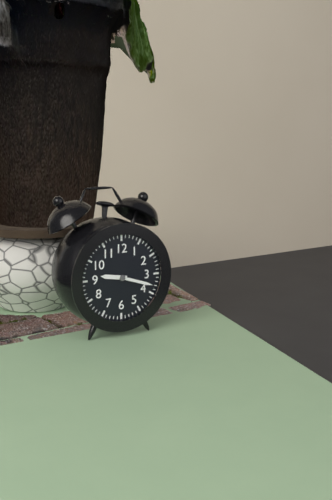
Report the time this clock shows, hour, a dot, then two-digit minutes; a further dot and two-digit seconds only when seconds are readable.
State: 9.18
